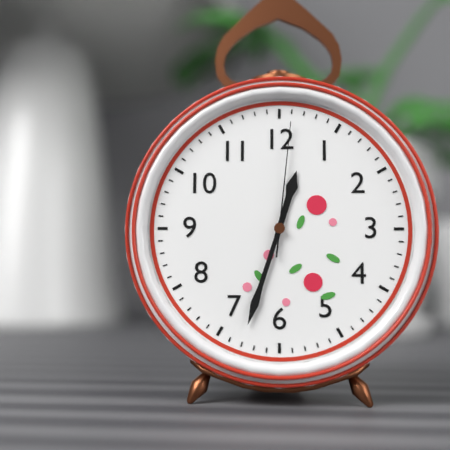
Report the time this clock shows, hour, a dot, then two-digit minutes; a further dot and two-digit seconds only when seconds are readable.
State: 12.33.01
